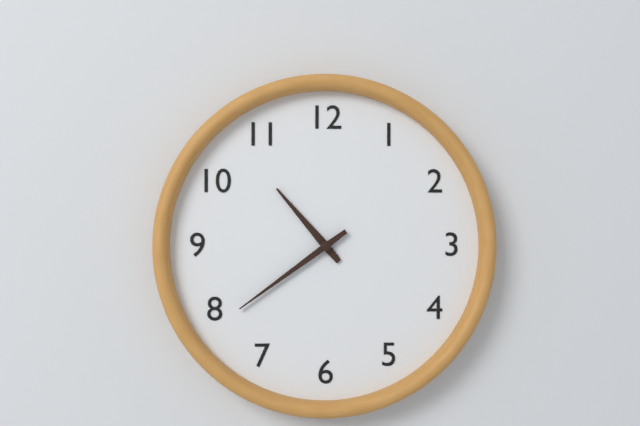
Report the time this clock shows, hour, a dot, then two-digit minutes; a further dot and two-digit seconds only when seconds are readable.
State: 10.39
